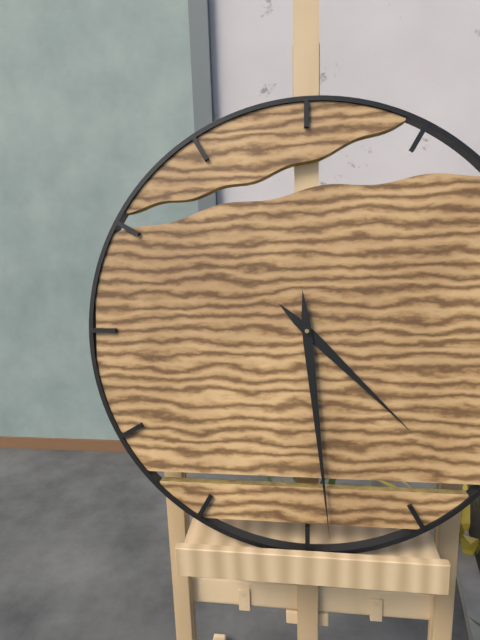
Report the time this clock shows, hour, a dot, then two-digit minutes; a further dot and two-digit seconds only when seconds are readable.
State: 4.29
